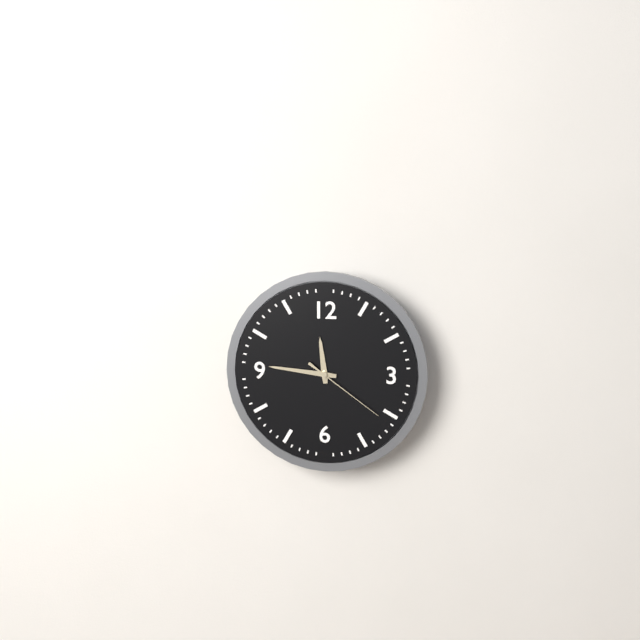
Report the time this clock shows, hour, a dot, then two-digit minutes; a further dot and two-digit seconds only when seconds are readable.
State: 11.46.21
